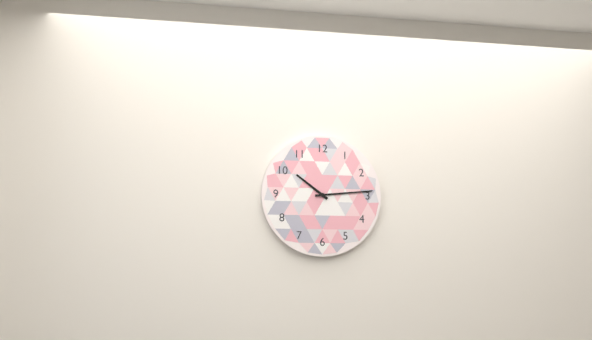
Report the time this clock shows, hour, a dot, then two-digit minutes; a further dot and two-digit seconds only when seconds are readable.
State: 10.14
